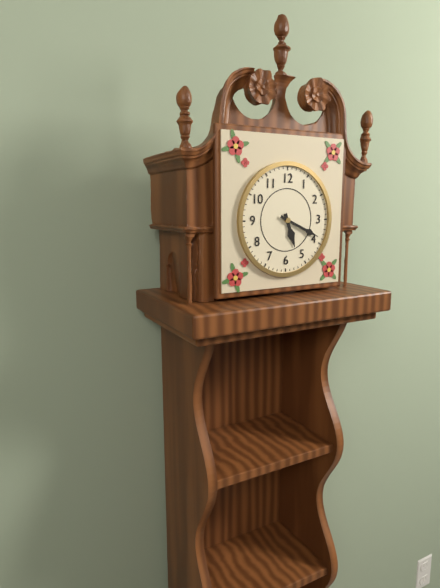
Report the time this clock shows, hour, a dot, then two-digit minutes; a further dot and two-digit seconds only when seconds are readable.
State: 5.19
